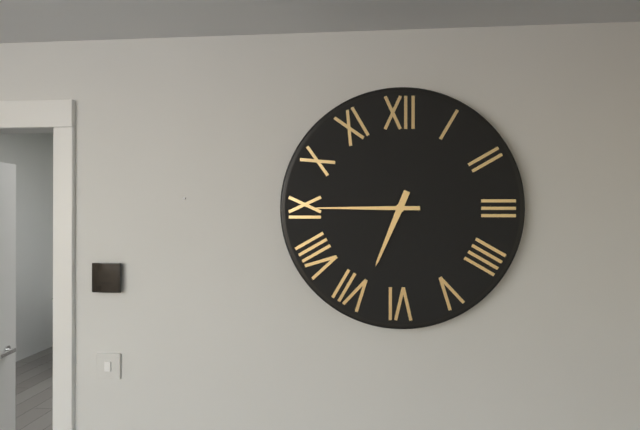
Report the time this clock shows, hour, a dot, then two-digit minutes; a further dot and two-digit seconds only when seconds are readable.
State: 6.45
